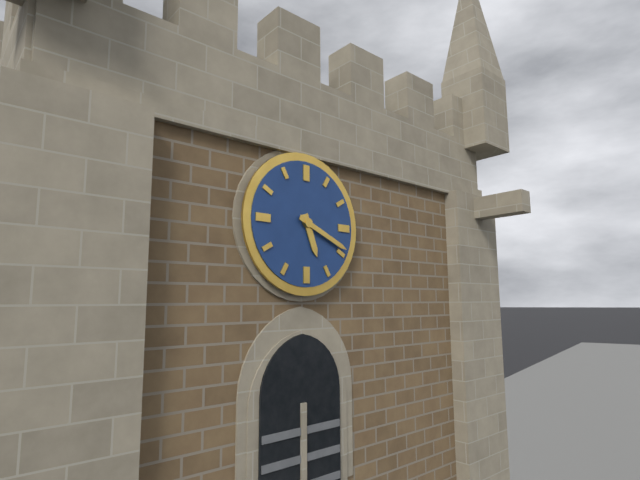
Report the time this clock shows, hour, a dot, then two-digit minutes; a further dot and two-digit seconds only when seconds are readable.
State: 5.19
